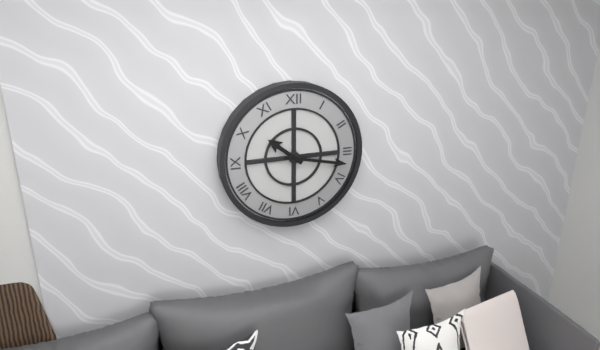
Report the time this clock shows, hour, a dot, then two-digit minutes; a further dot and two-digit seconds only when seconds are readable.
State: 10.17
